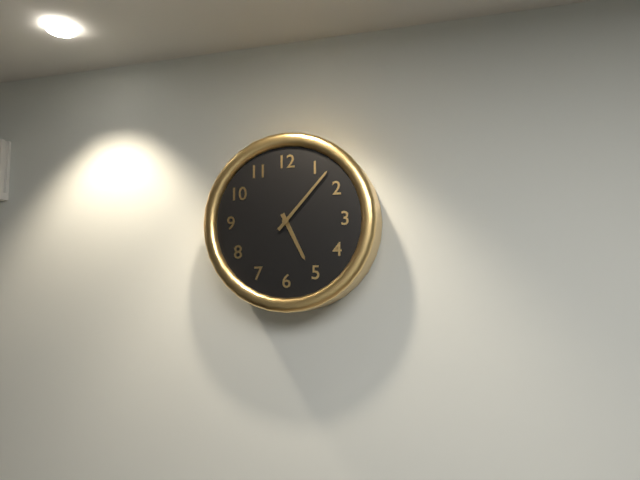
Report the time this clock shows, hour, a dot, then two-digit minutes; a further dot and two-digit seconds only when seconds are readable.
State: 5.07
